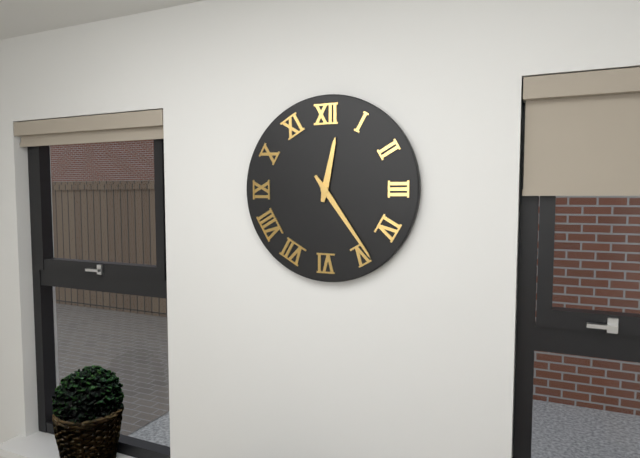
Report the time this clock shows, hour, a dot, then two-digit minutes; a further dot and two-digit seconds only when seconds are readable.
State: 12.24
